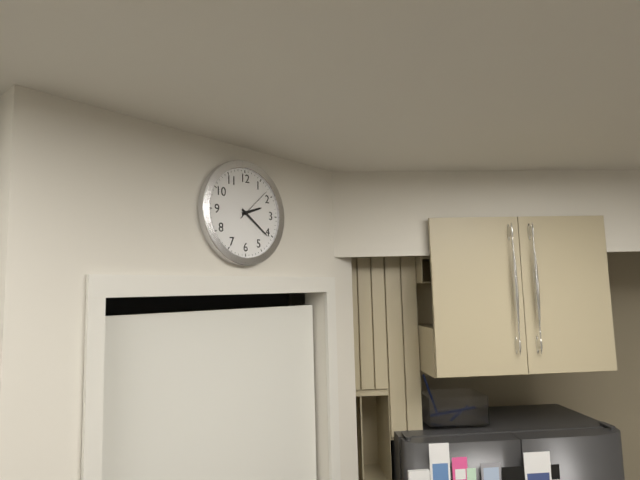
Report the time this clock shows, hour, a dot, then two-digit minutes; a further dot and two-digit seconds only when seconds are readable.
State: 2.21
